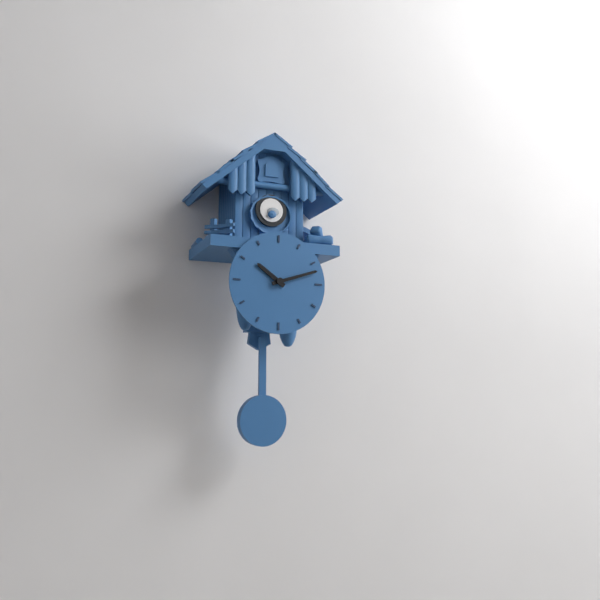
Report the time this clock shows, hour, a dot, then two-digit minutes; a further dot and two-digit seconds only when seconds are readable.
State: 10.12
